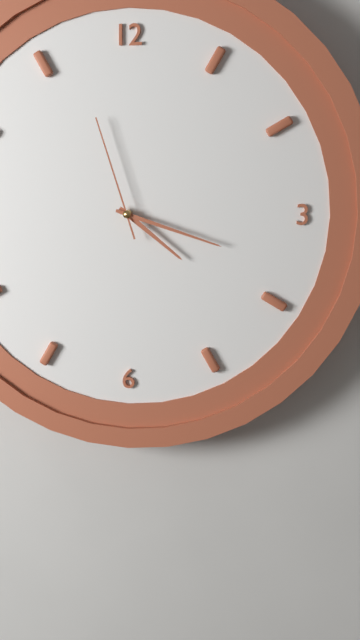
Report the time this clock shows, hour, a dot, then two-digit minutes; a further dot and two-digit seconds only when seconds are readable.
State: 4.18.57
